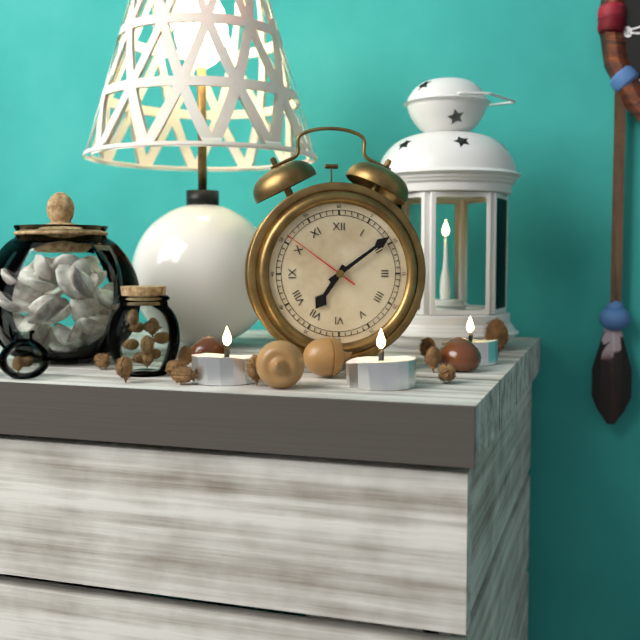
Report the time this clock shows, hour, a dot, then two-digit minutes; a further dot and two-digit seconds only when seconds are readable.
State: 7.09.51
